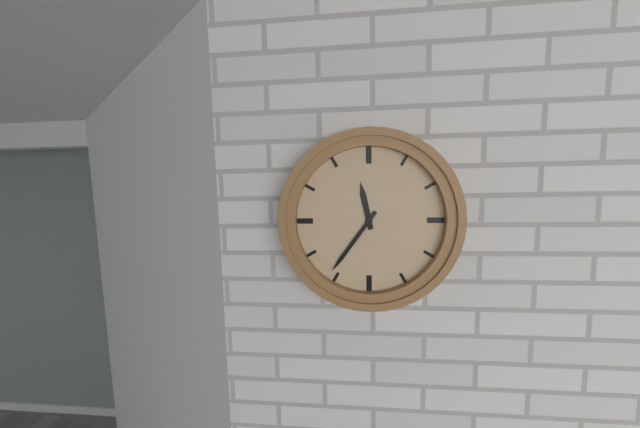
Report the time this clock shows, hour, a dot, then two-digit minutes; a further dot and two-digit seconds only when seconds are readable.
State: 11.36
